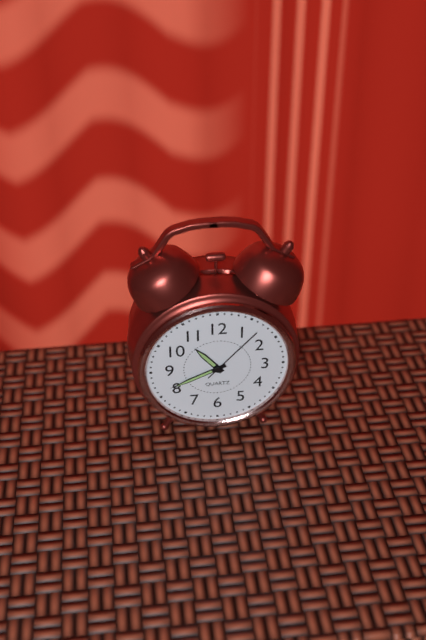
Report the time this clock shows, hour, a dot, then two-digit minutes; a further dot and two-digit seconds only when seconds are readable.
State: 10.41.07
